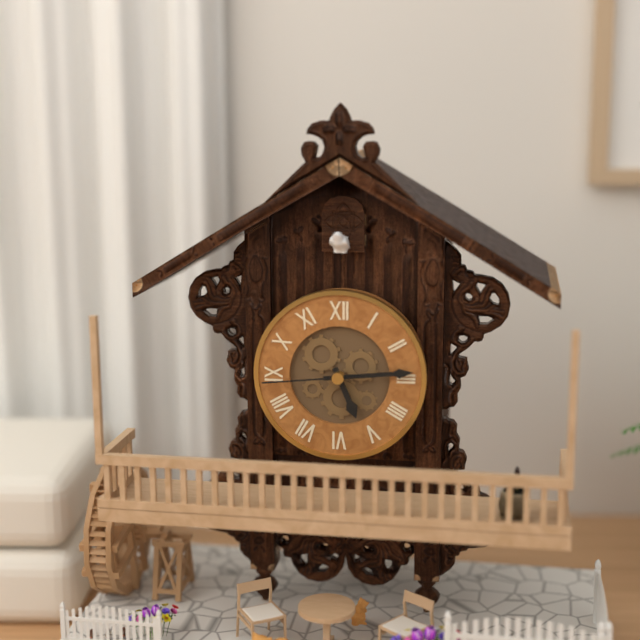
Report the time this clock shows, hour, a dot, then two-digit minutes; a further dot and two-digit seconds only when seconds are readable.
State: 5.14.44
